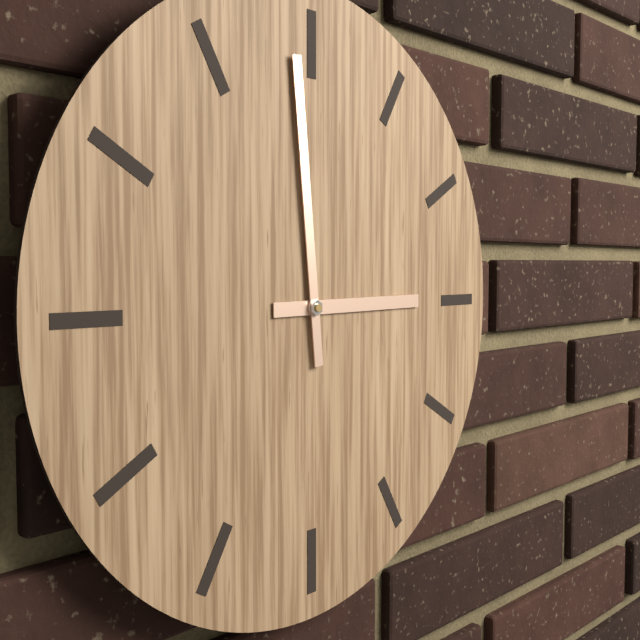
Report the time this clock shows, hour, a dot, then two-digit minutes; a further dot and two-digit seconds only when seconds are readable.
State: 2.59
